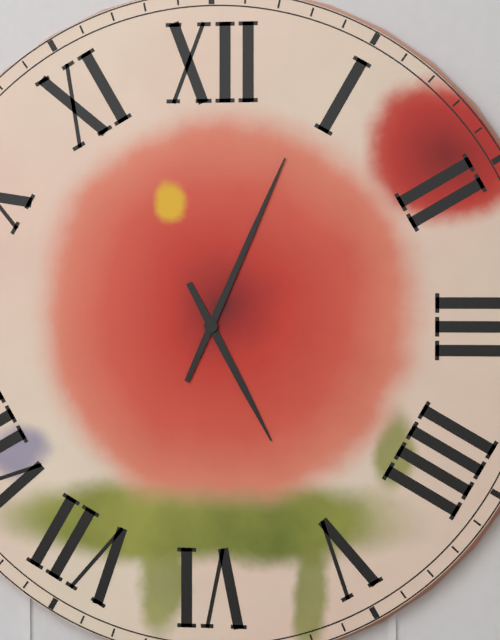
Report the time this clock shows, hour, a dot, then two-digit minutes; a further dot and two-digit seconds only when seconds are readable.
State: 5.04
